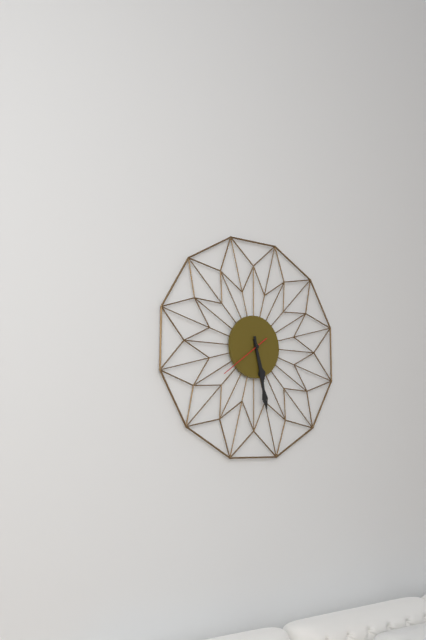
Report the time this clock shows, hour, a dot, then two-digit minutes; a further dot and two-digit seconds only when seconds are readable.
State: 5.28.39
